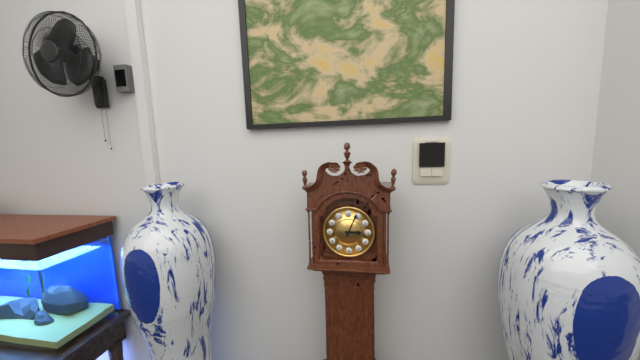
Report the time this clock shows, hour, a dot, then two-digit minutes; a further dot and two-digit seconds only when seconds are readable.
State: 3.04
